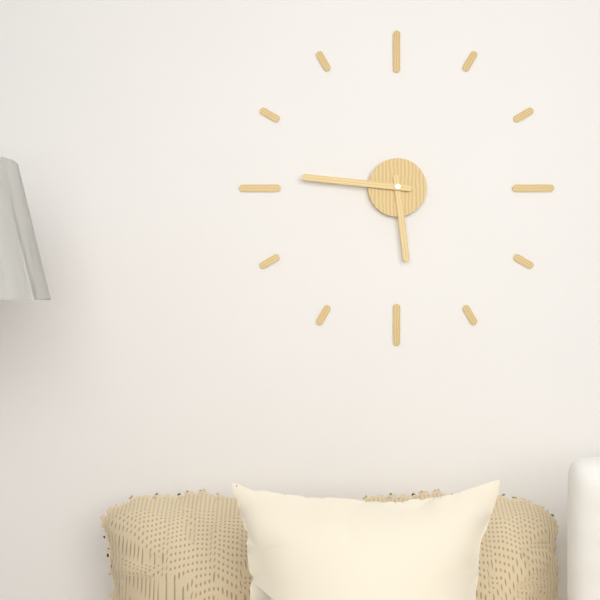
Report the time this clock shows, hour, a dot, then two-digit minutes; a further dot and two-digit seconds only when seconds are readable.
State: 5.46
